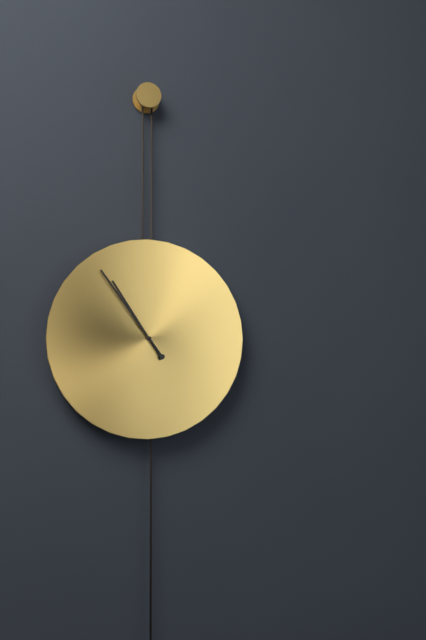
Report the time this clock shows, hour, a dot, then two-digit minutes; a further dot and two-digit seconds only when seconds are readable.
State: 10.54
